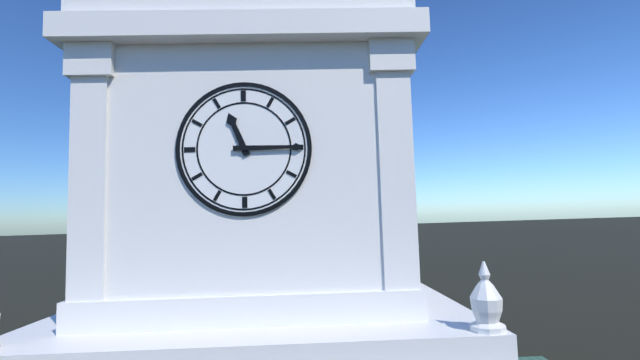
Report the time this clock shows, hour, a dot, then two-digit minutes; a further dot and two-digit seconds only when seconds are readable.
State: 11.15
